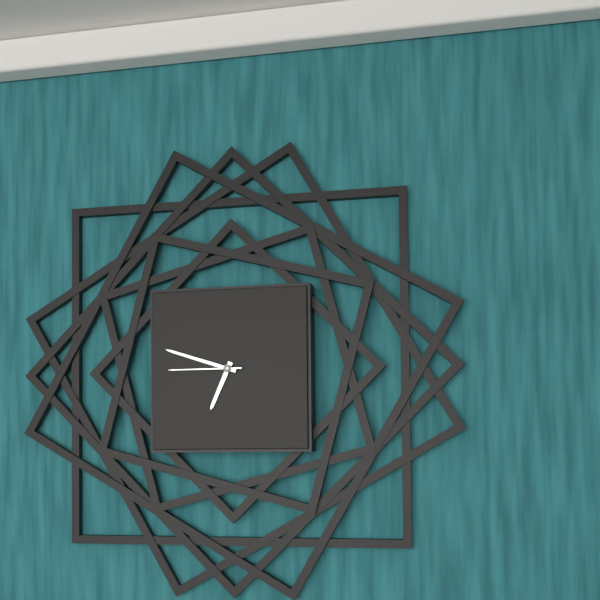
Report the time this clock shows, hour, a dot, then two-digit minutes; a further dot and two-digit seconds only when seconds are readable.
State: 6.48.45
